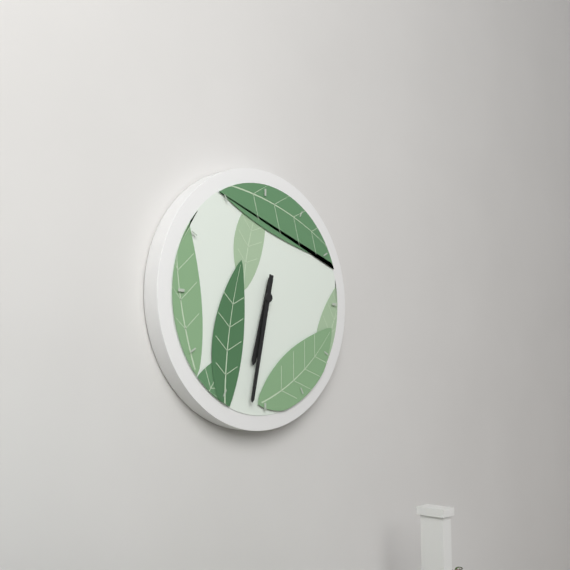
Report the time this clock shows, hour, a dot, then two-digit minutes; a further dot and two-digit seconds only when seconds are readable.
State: 6.32
